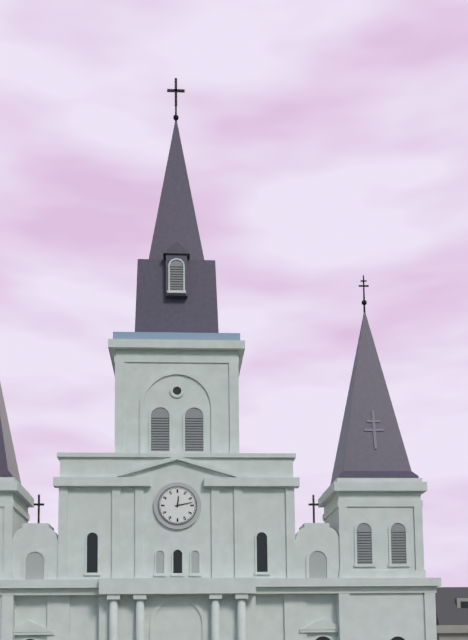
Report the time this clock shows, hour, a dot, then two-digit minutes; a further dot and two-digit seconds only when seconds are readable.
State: 12.13
